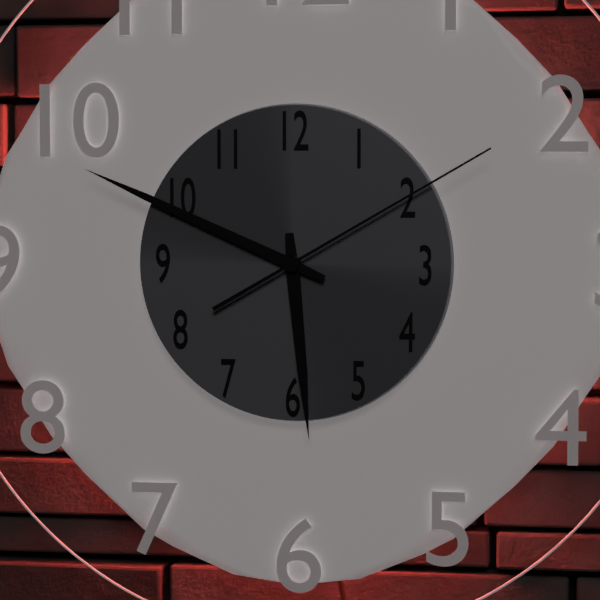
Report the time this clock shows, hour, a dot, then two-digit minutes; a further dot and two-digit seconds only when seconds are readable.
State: 5.49.10
